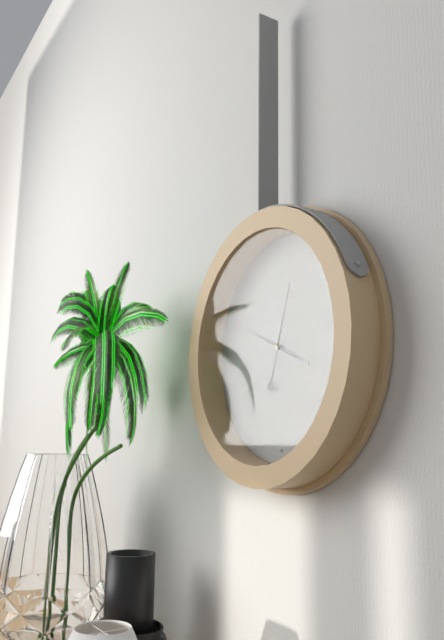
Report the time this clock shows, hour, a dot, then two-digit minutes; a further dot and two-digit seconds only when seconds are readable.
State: 3.49.03
